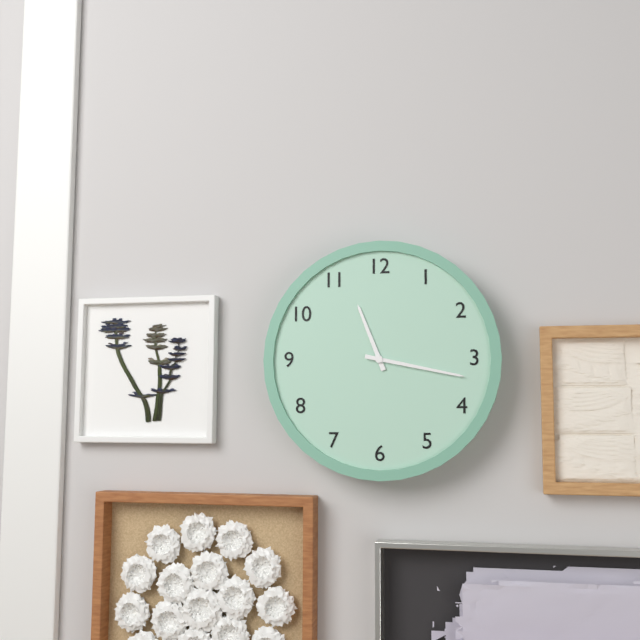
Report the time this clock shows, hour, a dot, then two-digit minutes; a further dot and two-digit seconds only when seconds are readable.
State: 11.17
